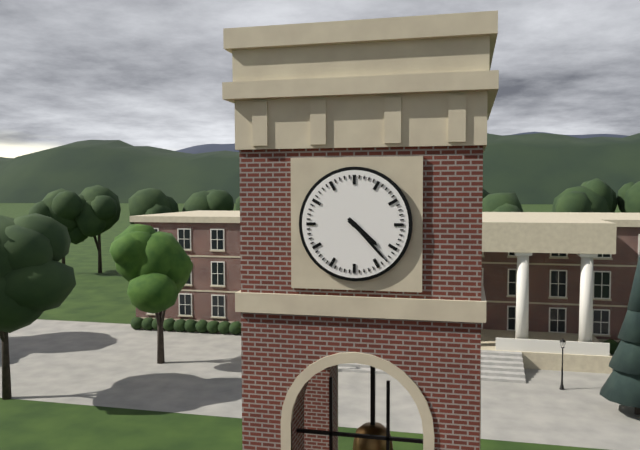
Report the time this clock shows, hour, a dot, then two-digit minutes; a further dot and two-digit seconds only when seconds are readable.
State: 4.23
